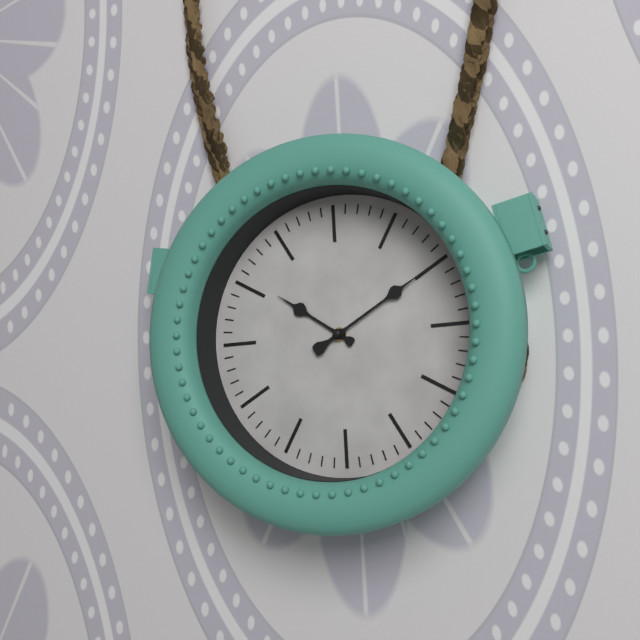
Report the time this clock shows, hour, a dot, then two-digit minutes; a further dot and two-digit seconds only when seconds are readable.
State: 10.10
